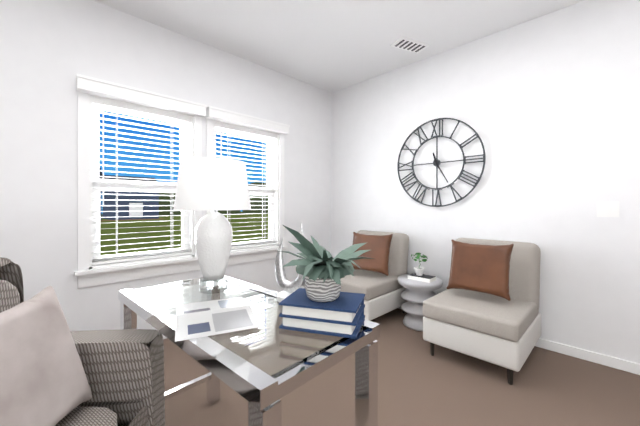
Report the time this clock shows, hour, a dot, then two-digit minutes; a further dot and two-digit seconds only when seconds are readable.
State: 11.25
